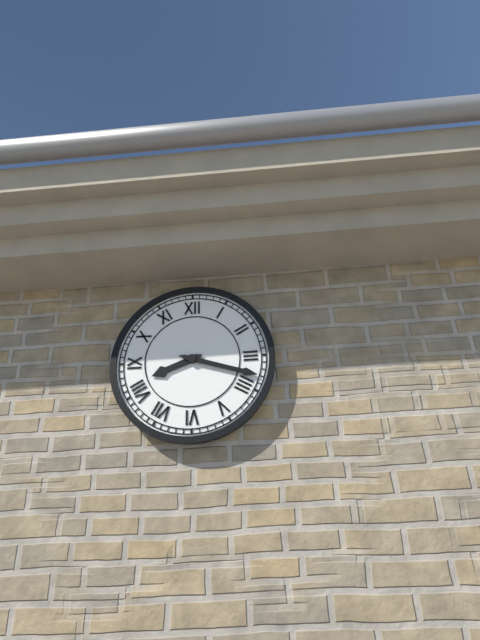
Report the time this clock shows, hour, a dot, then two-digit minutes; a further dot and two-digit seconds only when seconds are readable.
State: 8.18
